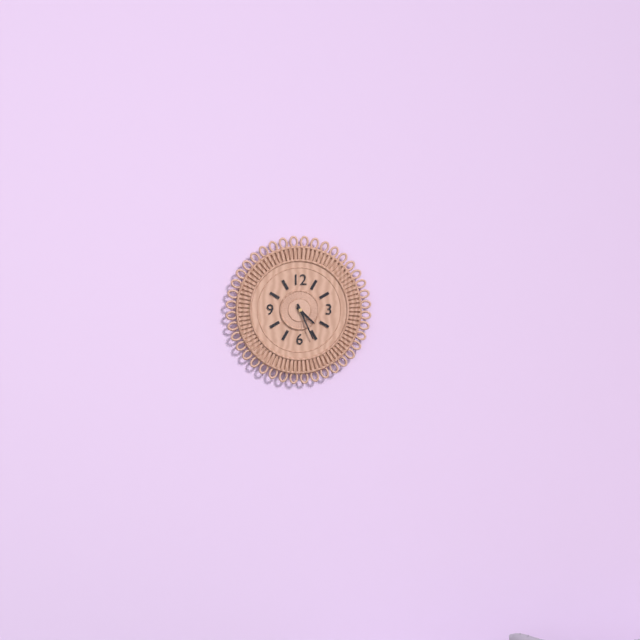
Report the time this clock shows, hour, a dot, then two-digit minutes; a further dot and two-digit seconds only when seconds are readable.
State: 4.26
